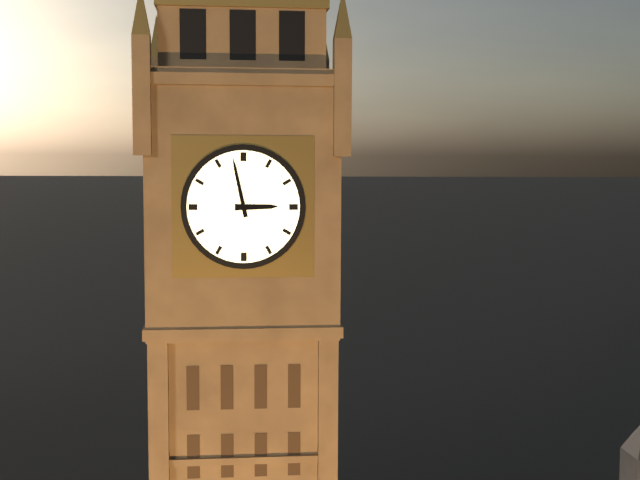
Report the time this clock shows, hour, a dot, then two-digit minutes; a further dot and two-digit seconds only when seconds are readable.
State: 2.58
